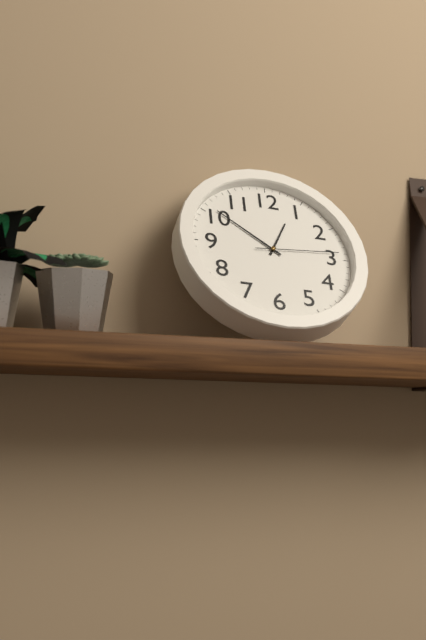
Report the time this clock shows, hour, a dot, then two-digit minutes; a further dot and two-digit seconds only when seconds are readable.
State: 12.51.14
